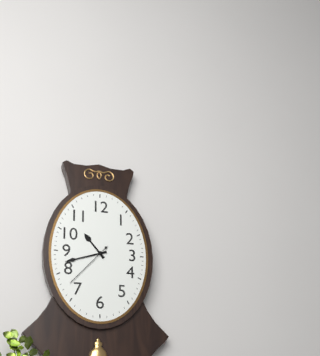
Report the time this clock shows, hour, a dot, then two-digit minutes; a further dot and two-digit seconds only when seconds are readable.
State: 10.42.37
